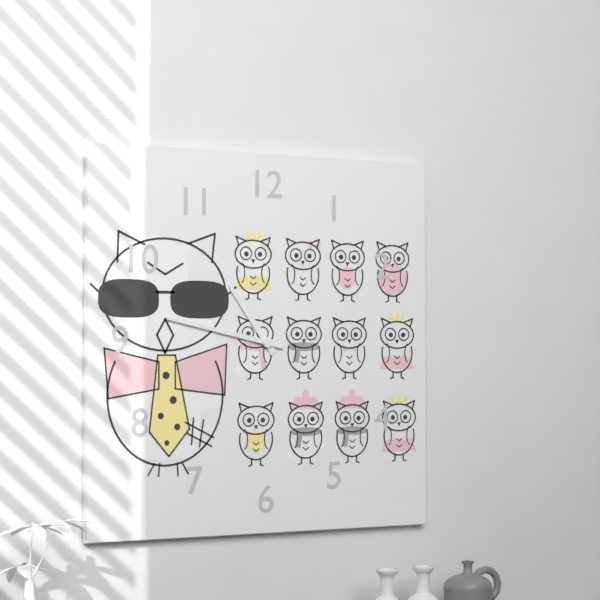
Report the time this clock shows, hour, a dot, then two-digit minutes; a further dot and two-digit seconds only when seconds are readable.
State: 10.47
